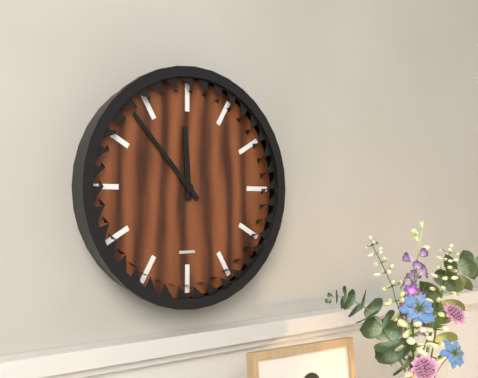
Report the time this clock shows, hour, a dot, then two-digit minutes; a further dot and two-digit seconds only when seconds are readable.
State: 11.53
